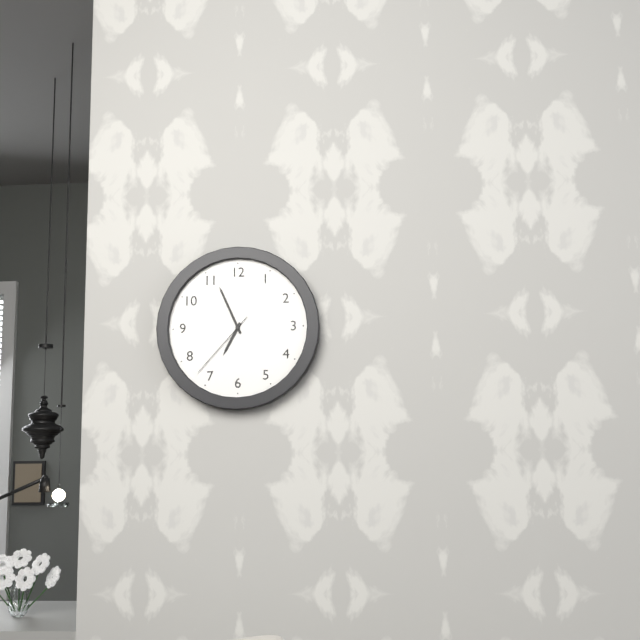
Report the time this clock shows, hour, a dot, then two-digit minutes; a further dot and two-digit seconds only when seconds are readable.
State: 6.56.37
